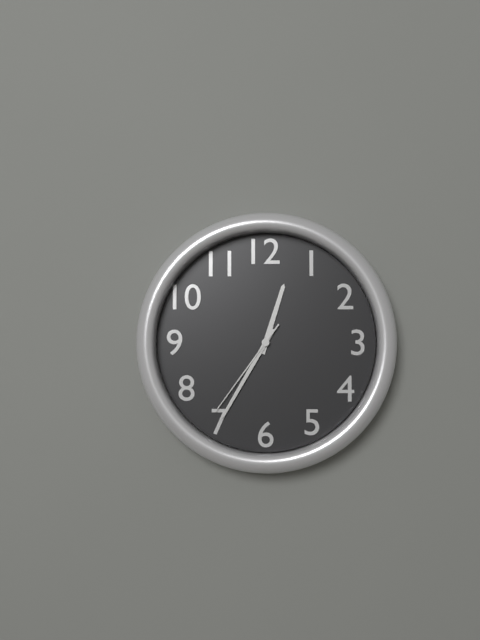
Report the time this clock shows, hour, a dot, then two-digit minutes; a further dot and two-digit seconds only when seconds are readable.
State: 12.35.36
